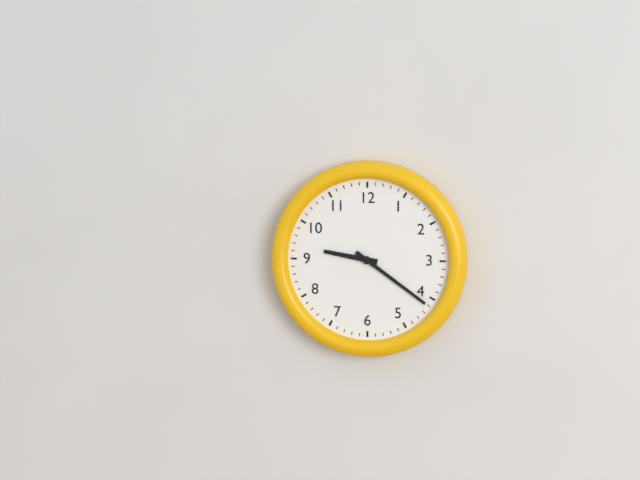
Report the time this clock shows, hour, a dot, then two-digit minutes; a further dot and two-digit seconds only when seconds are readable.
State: 9.21
